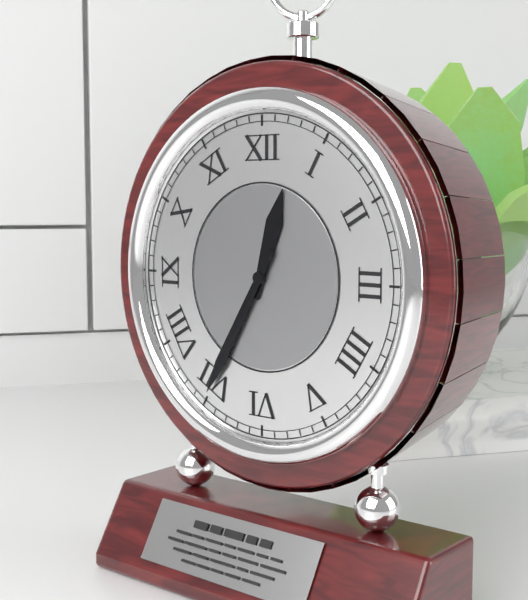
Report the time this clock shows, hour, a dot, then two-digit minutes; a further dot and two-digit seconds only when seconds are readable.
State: 12.35
